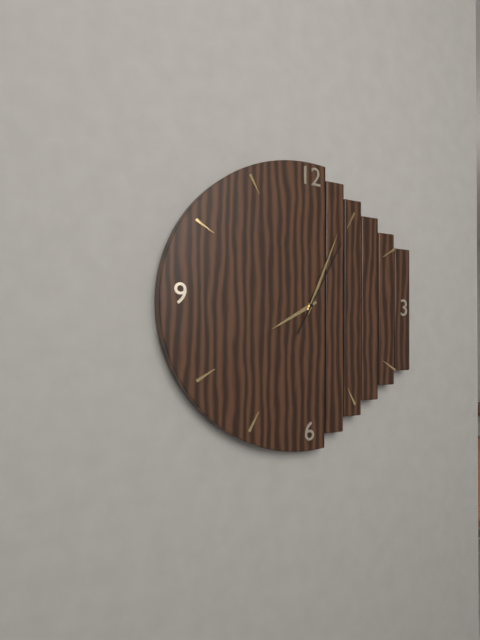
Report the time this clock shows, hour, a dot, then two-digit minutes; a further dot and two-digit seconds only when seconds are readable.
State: 8.04.05
